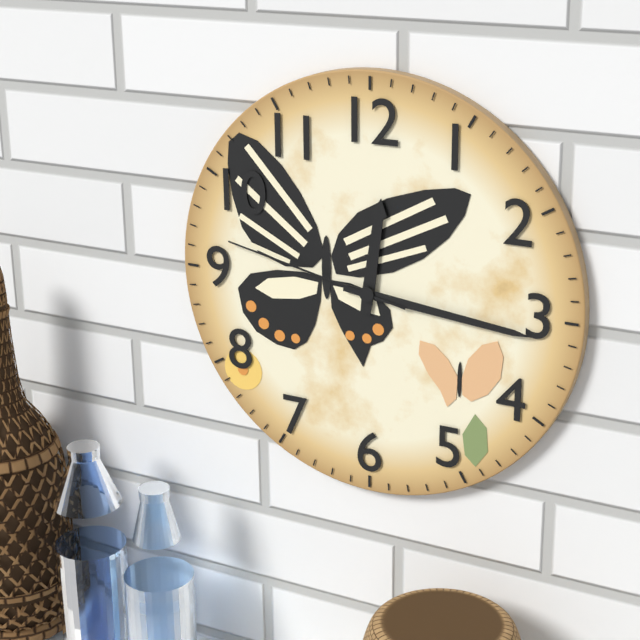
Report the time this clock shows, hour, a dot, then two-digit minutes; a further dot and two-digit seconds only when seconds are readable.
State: 12.16.47
